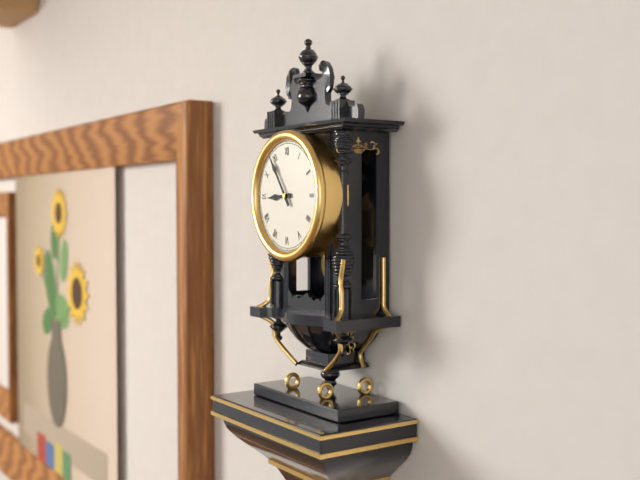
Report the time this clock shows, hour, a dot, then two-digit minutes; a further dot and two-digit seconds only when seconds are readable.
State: 8.54
